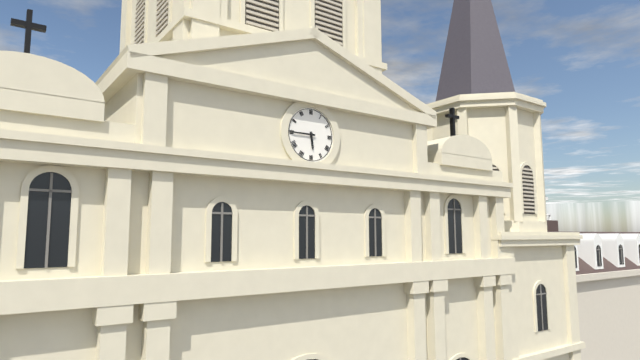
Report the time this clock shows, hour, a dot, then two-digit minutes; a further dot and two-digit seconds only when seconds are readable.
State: 5.45
